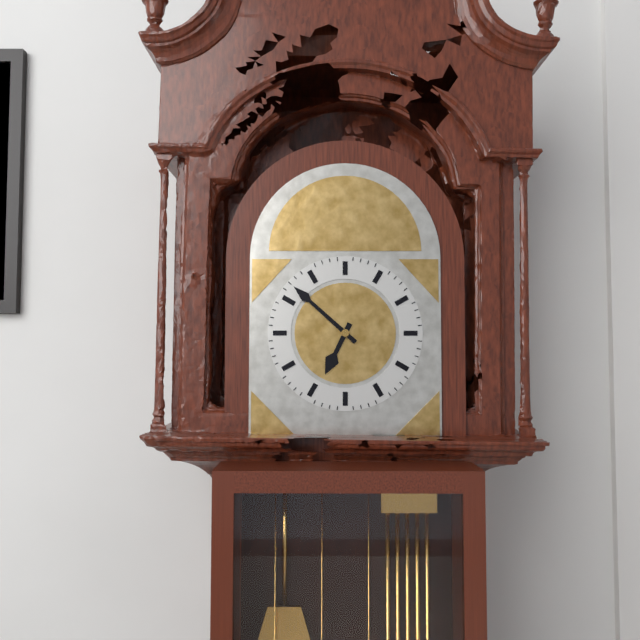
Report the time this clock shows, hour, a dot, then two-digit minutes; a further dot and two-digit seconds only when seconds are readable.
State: 6.52
